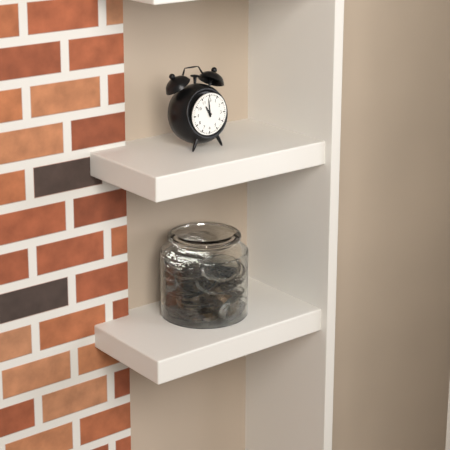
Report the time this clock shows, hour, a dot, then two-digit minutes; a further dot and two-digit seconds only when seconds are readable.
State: 10.59
